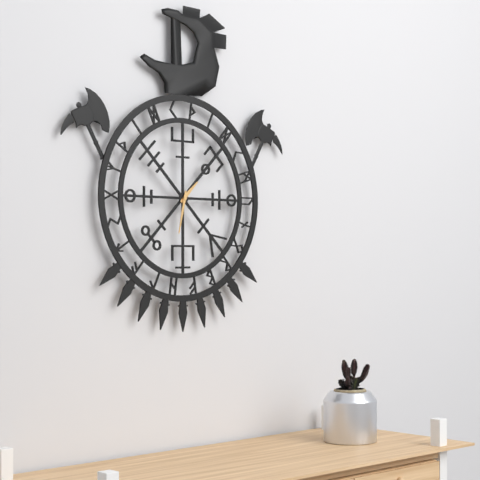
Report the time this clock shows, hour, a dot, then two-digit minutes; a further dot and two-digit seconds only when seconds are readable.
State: 1.32
